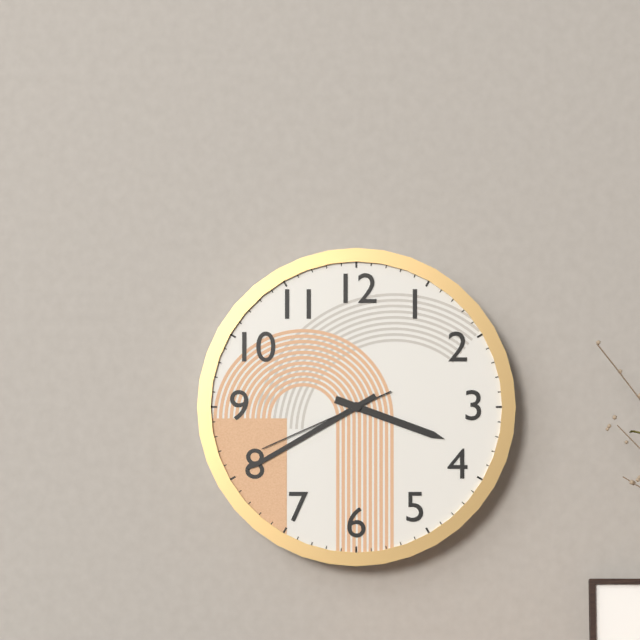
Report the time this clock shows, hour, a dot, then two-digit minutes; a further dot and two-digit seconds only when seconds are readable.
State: 3.40.41
